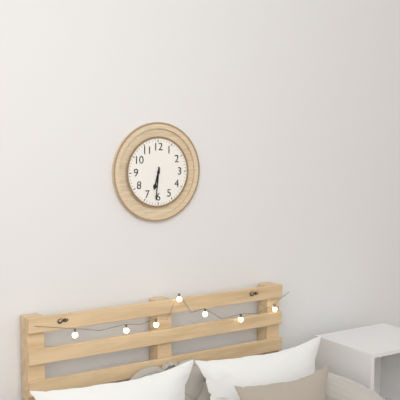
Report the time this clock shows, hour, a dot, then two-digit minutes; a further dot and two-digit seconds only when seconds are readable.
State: 6.31
